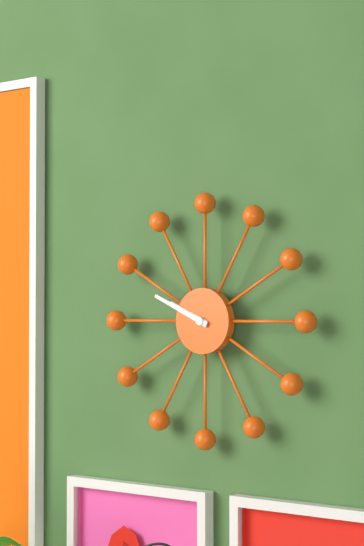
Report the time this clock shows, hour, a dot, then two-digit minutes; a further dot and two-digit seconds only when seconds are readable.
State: 9.49
